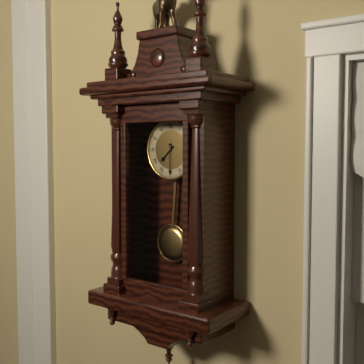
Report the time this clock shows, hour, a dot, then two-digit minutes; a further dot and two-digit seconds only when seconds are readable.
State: 7.30
